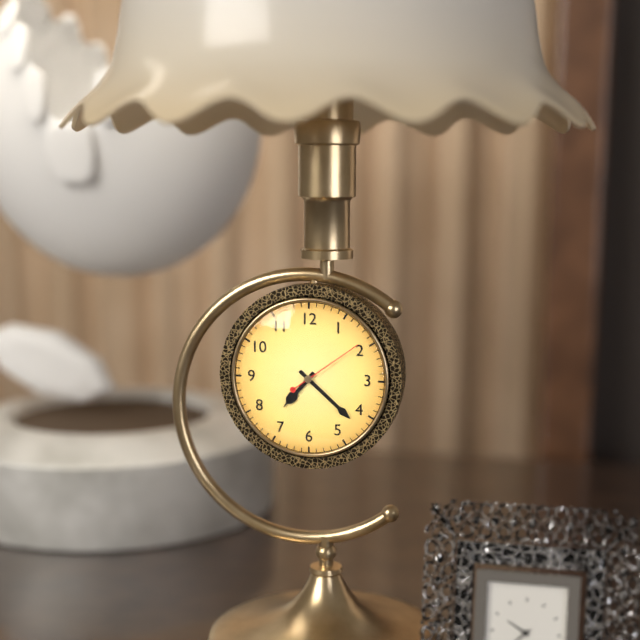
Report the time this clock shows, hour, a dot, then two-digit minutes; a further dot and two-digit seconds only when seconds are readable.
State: 7.22.09
